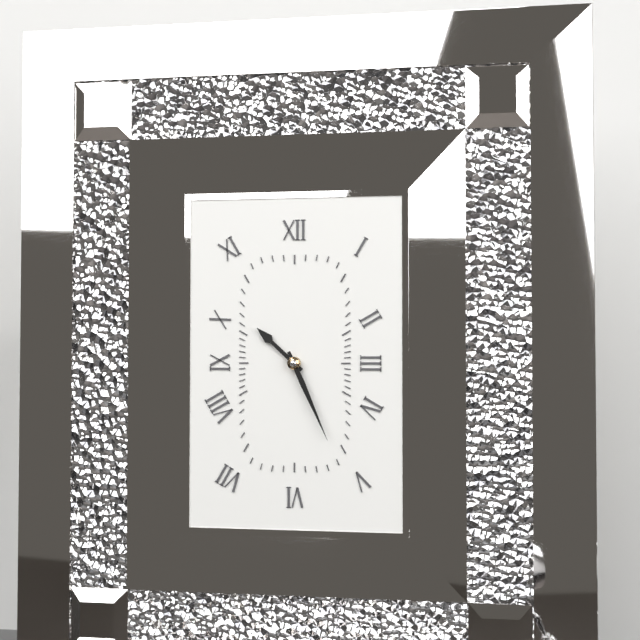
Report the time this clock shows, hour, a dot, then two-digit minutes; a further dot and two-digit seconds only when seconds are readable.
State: 10.26
